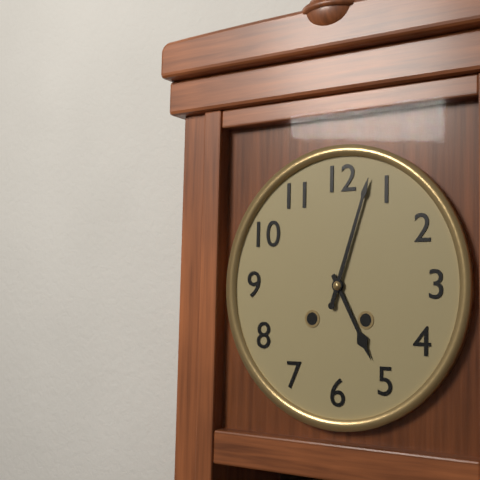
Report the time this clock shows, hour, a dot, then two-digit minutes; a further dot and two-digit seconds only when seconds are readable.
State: 5.03
